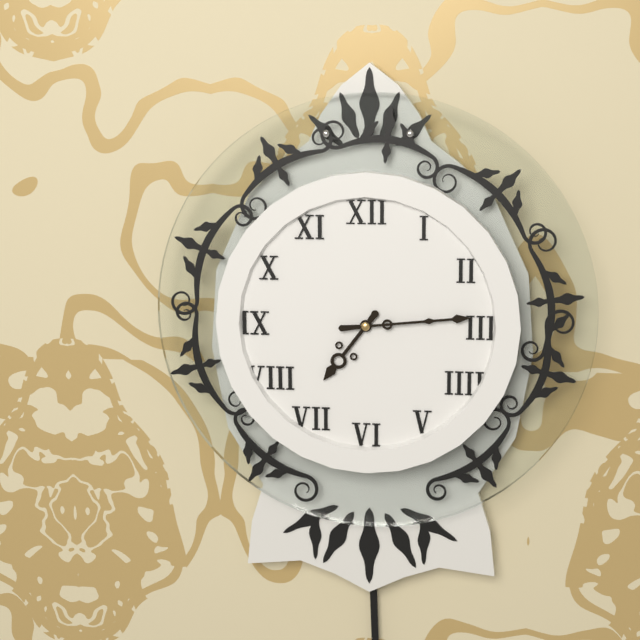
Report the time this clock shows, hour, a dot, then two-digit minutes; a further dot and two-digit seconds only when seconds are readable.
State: 7.14
